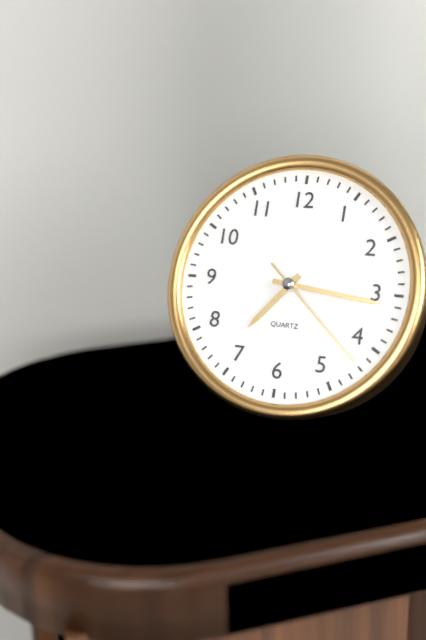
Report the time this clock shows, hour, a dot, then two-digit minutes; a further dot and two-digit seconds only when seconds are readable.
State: 7.16.22
